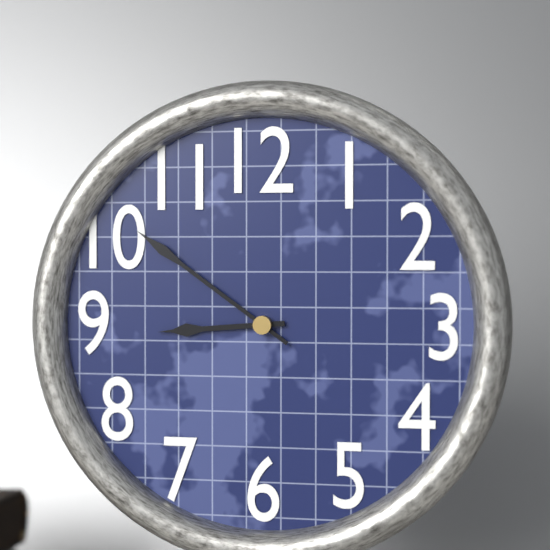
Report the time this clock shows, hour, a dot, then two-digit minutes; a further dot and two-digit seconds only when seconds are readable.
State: 8.51
